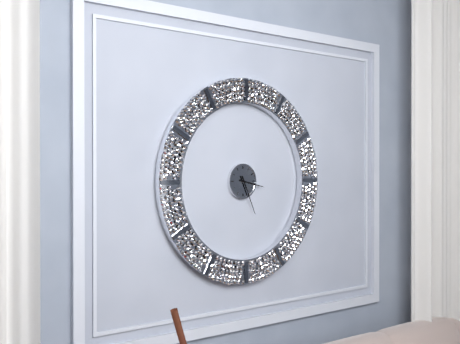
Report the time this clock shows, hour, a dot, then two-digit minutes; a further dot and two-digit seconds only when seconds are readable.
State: 3.26
